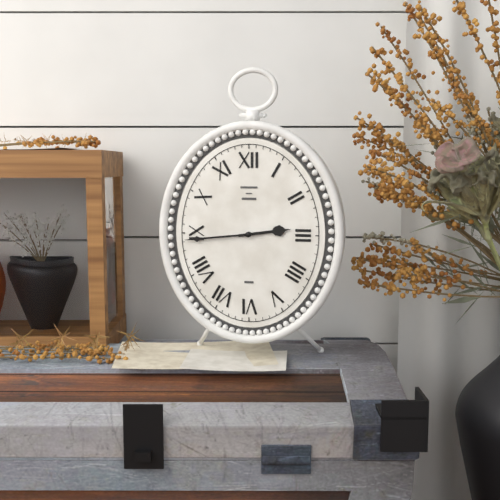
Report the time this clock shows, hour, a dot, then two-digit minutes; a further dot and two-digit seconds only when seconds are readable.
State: 2.44
